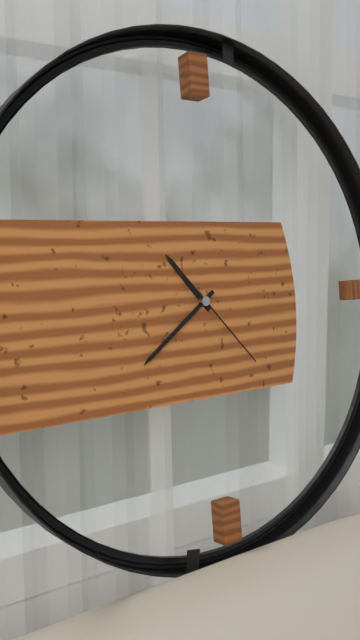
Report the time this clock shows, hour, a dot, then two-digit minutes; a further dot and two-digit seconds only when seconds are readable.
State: 10.39.23
